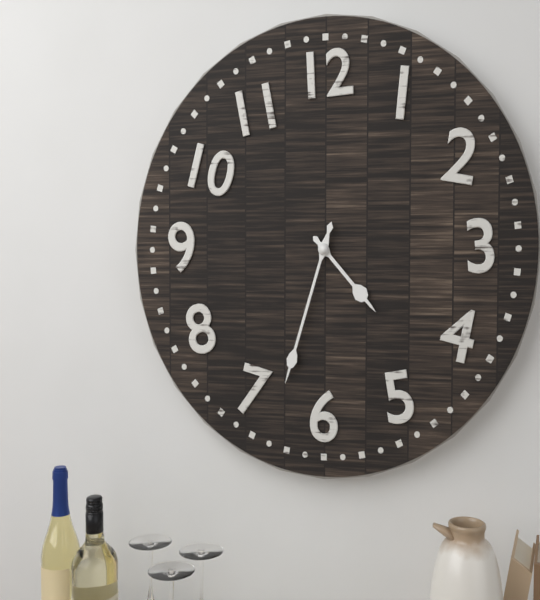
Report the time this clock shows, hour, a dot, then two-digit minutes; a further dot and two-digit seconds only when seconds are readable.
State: 4.33
